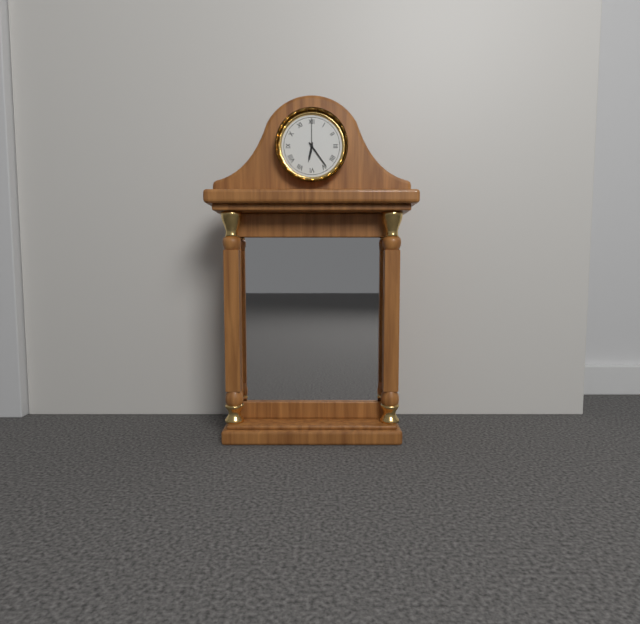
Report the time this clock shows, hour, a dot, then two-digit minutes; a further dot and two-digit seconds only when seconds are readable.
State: 6.24
